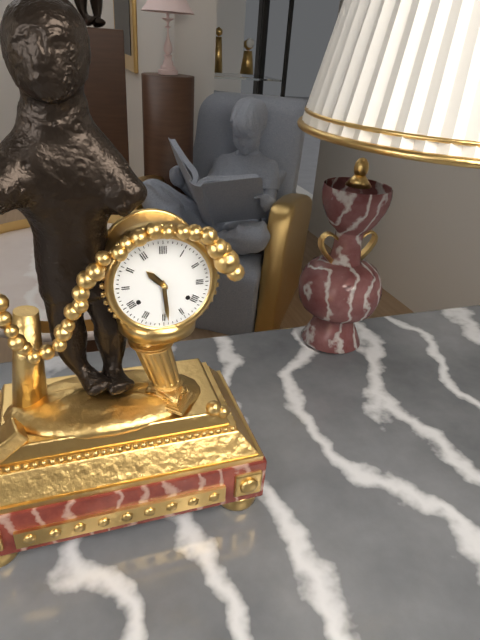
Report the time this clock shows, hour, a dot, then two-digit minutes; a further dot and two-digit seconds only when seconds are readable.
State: 10.29
